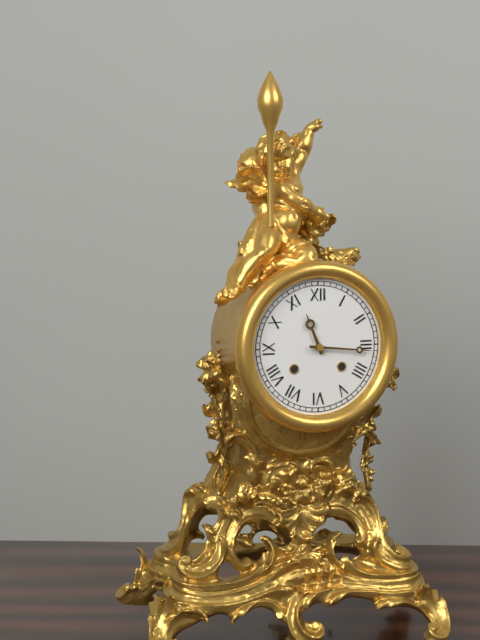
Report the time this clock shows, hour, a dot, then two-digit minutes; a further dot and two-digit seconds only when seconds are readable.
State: 11.16
